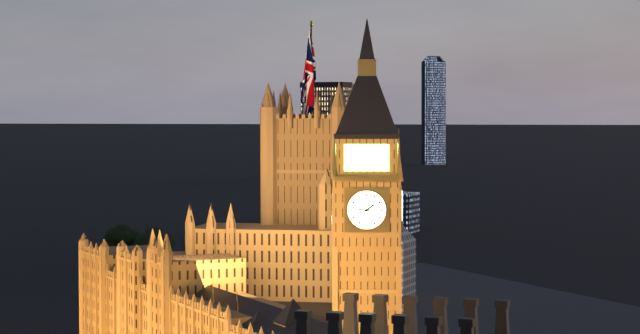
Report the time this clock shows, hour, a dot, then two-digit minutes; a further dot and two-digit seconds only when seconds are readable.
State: 1.46
